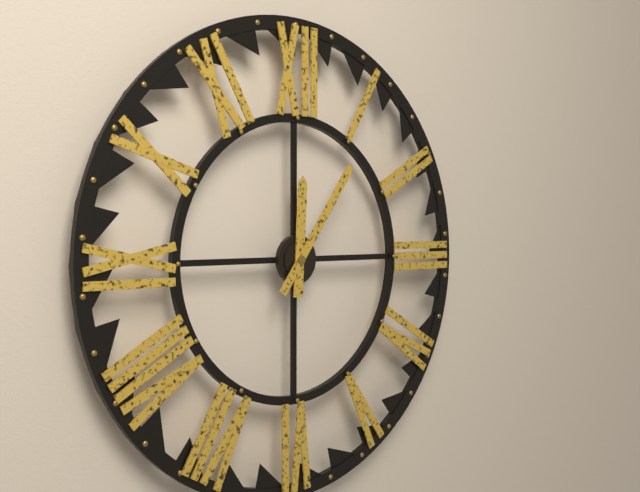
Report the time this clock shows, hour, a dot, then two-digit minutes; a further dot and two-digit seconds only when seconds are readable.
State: 12.06
